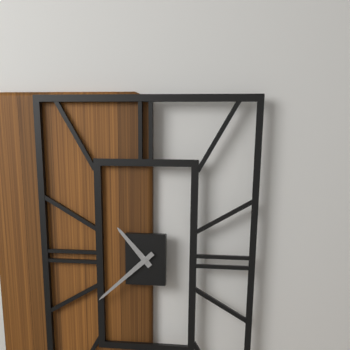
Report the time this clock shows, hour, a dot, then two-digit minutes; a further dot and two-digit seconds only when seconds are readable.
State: 10.38
